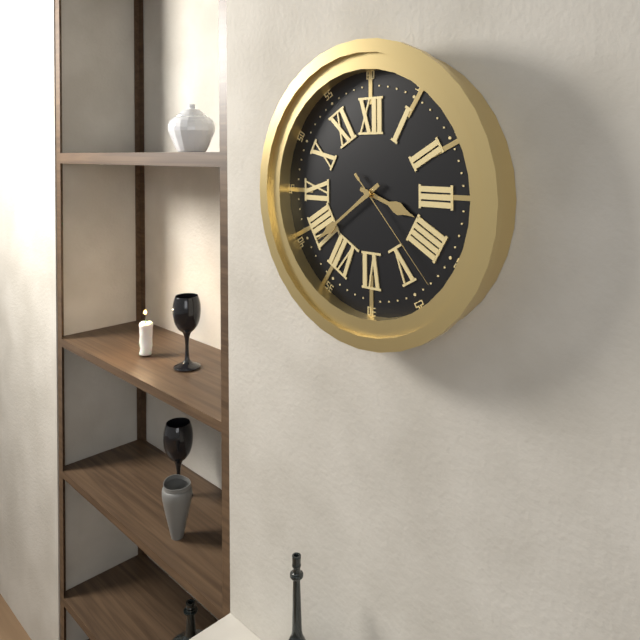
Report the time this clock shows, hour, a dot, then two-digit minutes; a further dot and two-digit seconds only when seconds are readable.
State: 3.39.23
